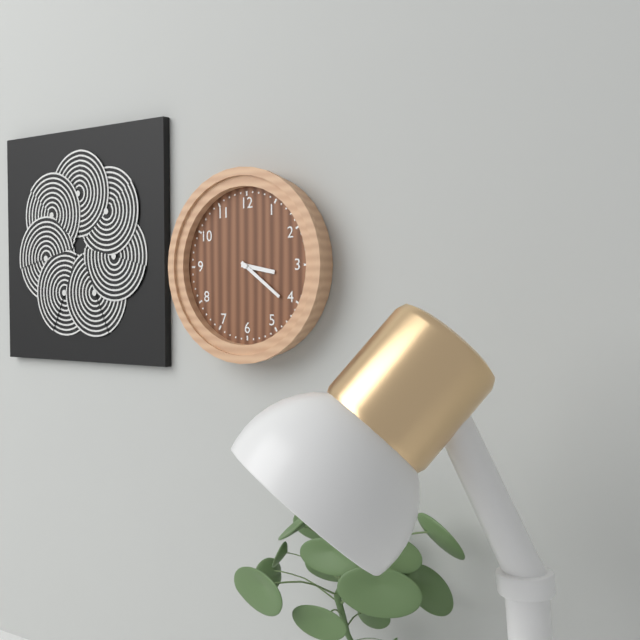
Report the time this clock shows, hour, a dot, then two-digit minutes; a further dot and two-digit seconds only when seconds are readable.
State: 3.21
